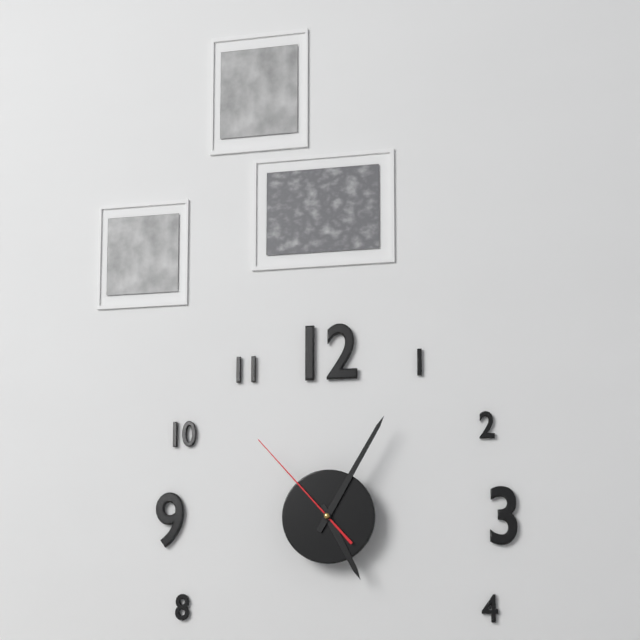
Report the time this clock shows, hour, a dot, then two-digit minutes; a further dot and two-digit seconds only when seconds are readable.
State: 5.05.53
